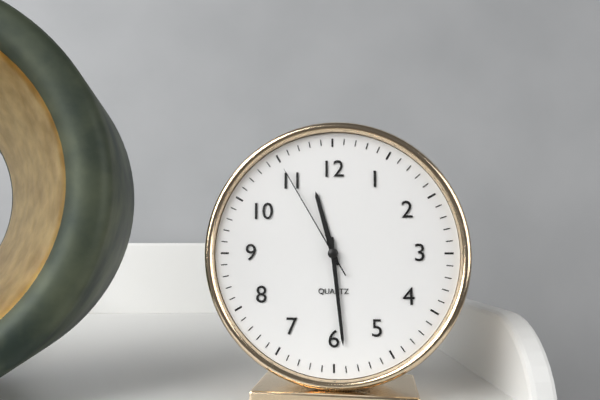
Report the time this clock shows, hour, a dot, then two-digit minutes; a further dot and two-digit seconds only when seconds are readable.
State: 11.29.55
